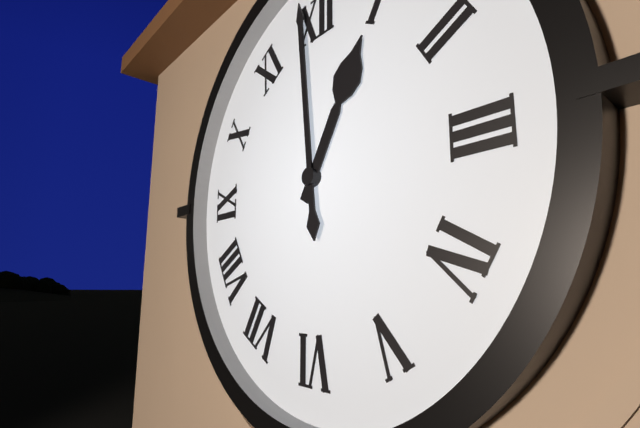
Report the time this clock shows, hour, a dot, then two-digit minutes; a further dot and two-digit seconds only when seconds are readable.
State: 12.59
